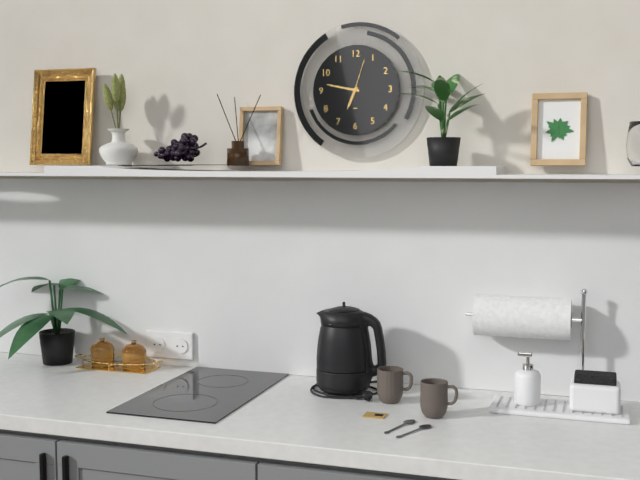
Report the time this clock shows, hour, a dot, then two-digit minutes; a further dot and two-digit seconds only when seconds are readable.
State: 6.47
